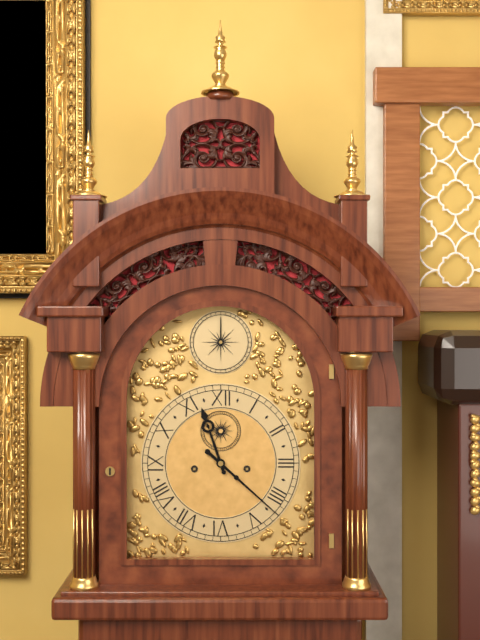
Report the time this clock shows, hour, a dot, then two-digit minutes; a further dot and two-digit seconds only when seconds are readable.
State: 11.22
